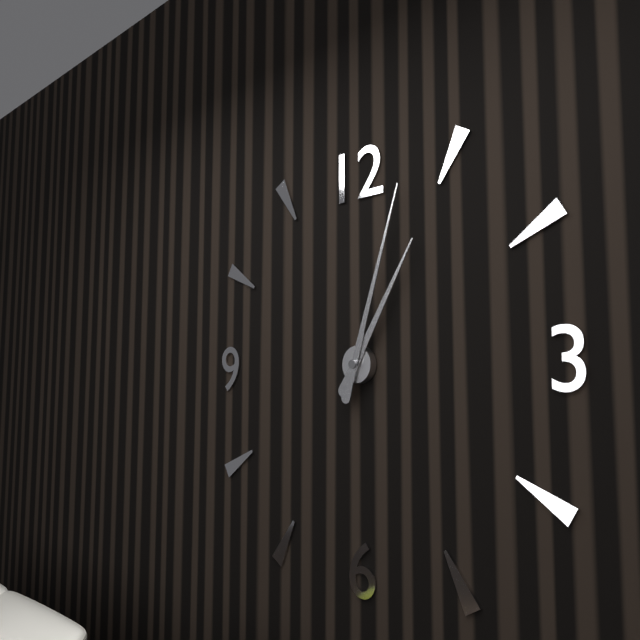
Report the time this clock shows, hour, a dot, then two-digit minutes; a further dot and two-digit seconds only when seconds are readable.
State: 1.03
